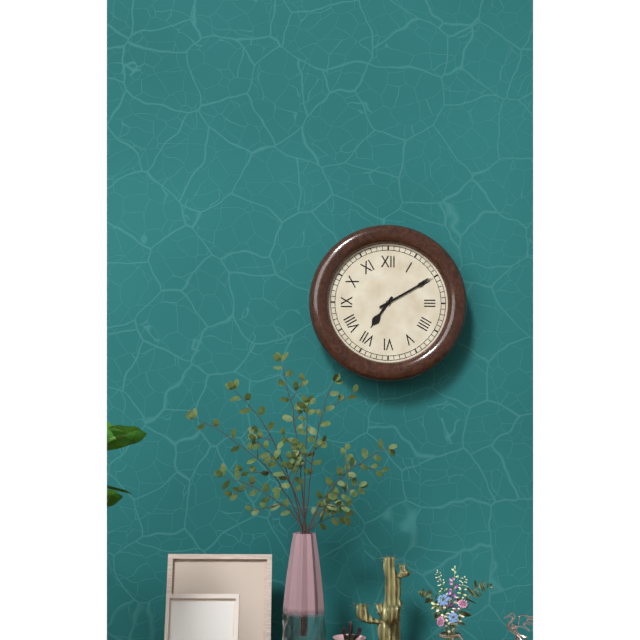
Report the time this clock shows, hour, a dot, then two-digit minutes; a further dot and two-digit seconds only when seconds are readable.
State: 7.10
